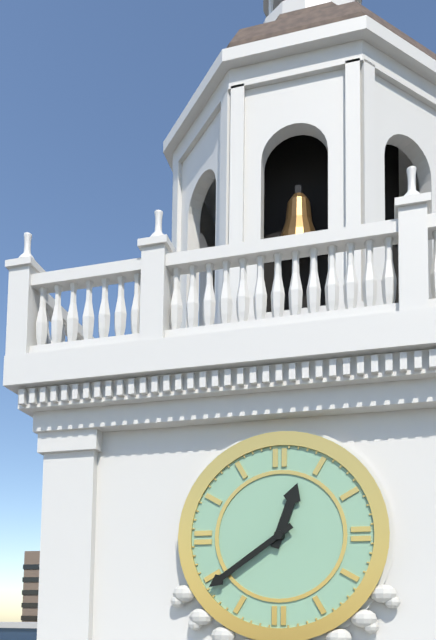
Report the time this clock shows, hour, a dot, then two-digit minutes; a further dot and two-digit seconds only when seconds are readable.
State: 12.39
